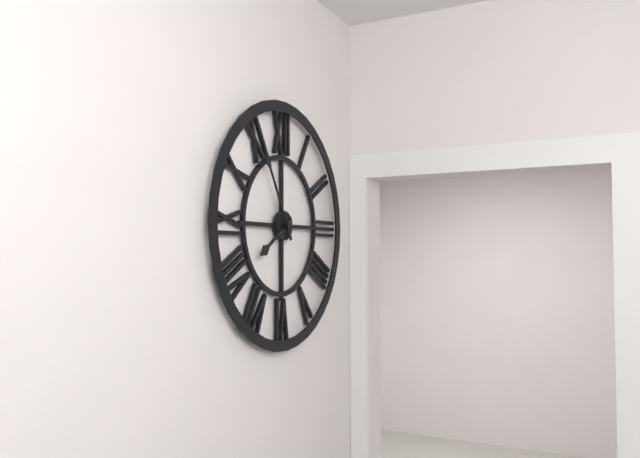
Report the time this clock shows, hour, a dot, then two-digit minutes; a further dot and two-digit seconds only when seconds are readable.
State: 7.55
